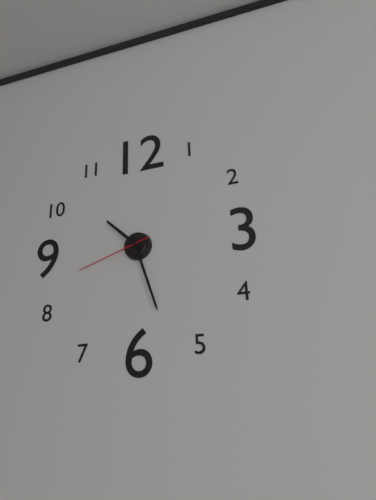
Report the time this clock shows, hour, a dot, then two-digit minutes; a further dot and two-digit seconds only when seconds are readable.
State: 10.27.42
